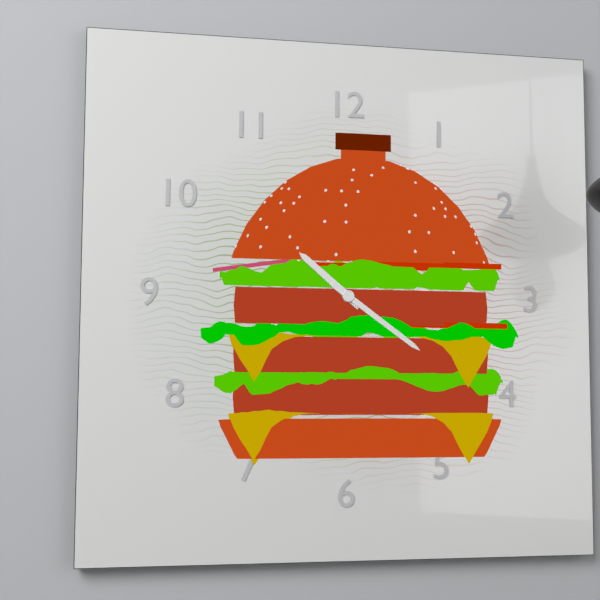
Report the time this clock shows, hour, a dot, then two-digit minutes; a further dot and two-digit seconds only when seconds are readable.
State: 10.21
